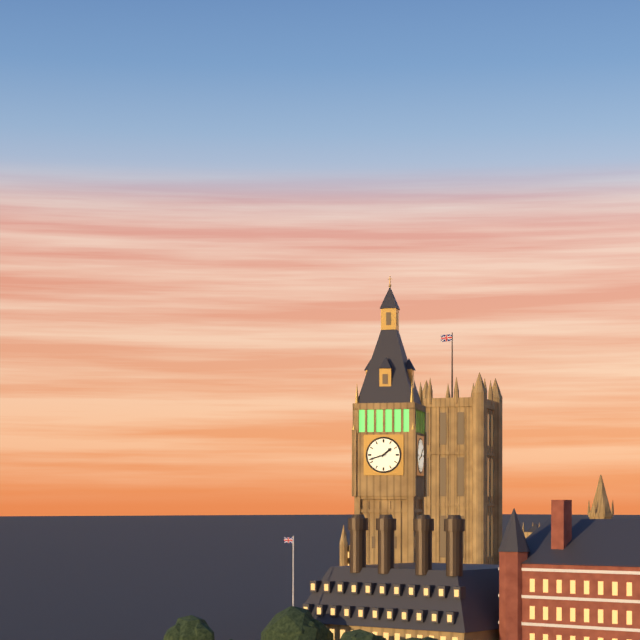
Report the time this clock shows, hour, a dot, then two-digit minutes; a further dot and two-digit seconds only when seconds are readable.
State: 1.42
